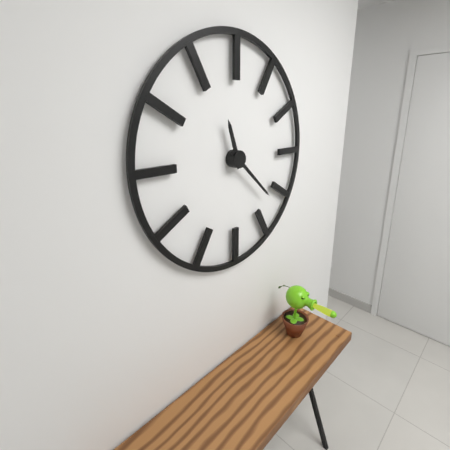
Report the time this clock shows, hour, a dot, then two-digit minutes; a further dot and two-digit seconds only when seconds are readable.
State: 11.22
